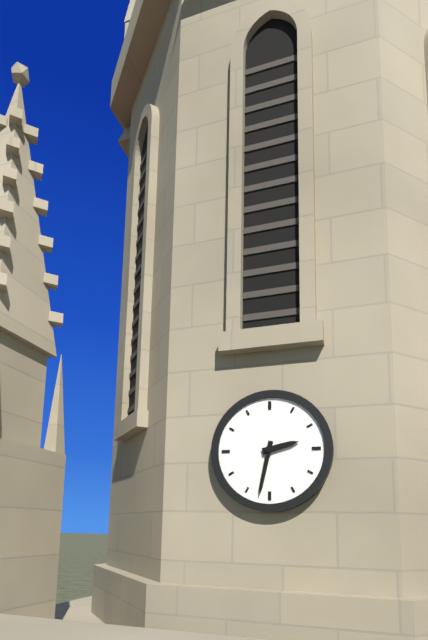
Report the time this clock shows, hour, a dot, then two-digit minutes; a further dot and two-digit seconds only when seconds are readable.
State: 2.32
